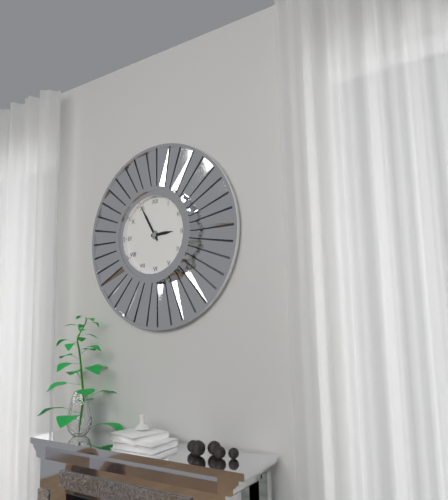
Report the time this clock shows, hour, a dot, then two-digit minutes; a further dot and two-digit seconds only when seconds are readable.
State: 2.55
